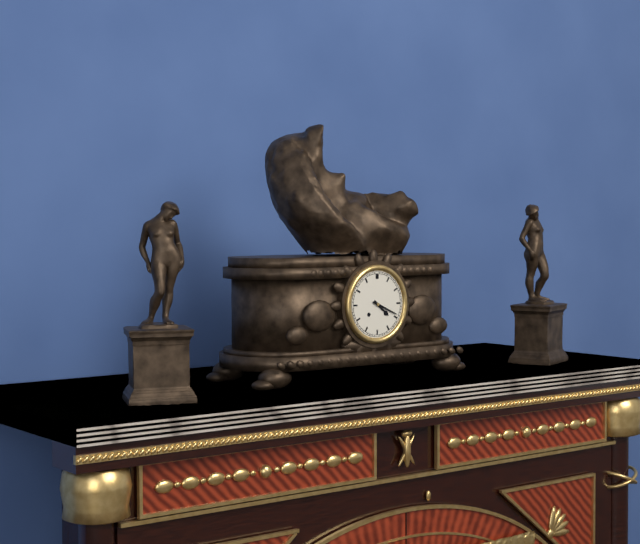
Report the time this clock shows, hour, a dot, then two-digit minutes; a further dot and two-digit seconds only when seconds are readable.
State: 4.19
